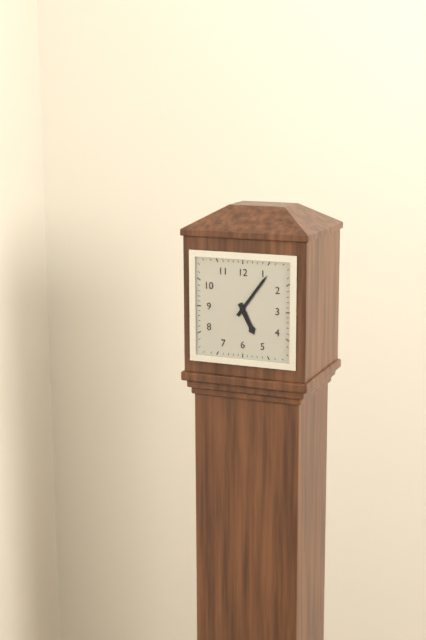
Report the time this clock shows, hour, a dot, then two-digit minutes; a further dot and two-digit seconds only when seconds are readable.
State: 5.06
